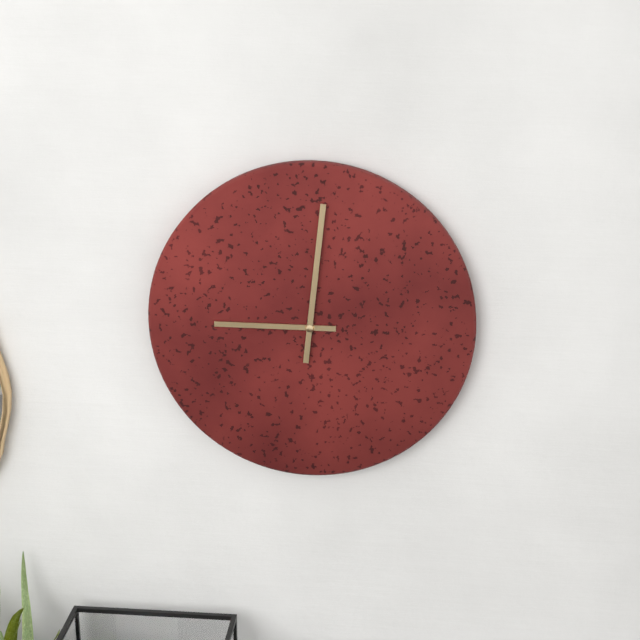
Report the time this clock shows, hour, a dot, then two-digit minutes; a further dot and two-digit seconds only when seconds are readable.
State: 9.01
